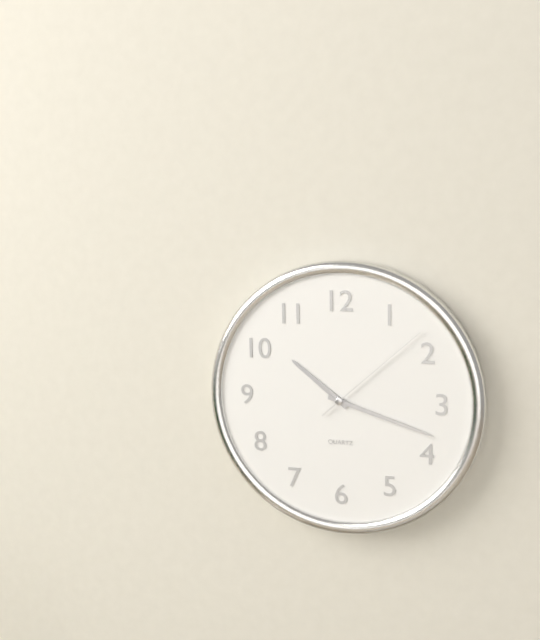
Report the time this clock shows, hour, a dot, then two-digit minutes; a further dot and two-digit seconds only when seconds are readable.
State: 10.18.08
